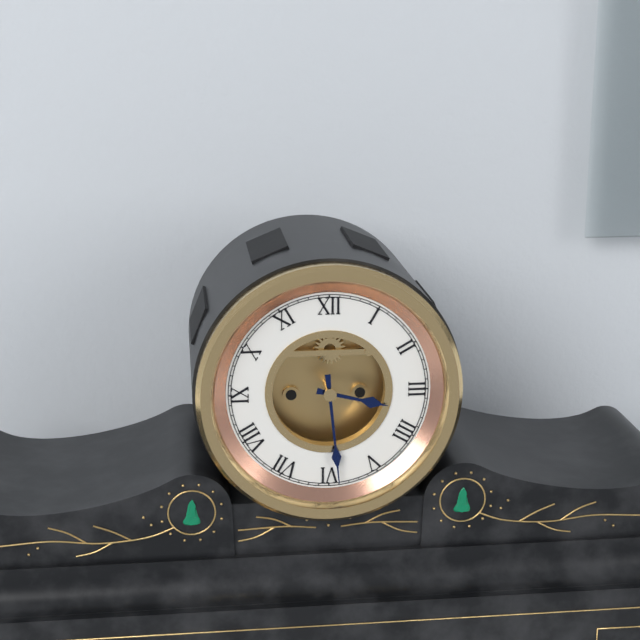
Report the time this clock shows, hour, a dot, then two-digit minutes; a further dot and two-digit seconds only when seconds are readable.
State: 3.29
